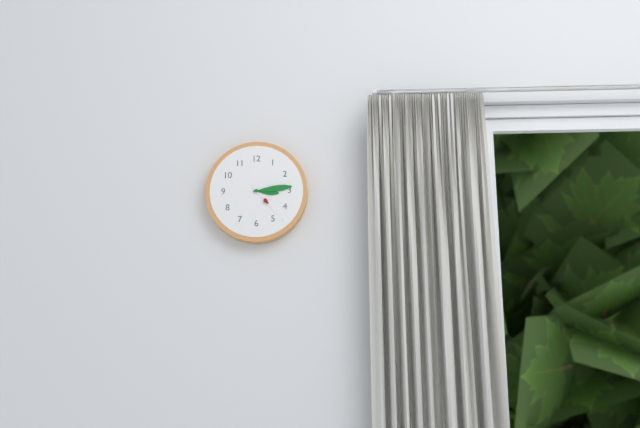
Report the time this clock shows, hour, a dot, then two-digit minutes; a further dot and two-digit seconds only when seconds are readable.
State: 3.14.23
